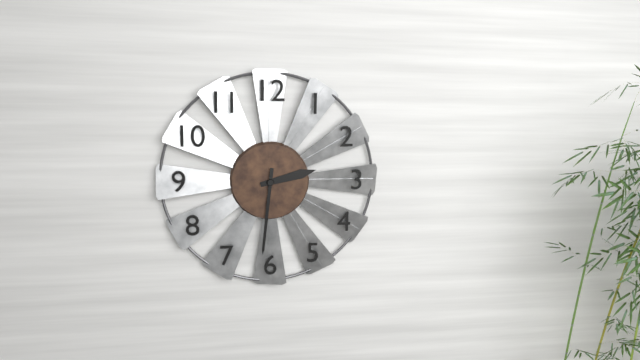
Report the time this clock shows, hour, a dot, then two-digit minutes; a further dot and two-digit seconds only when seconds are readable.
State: 2.31
